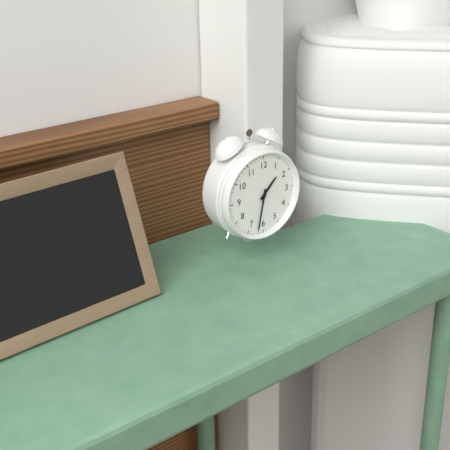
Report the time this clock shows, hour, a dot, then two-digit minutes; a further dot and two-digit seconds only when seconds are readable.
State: 1.32
